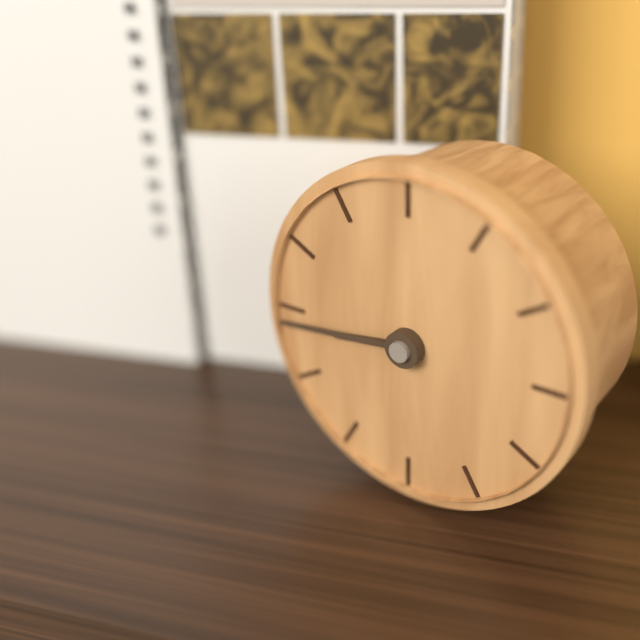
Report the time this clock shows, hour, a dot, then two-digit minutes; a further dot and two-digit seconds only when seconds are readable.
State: 8.44
